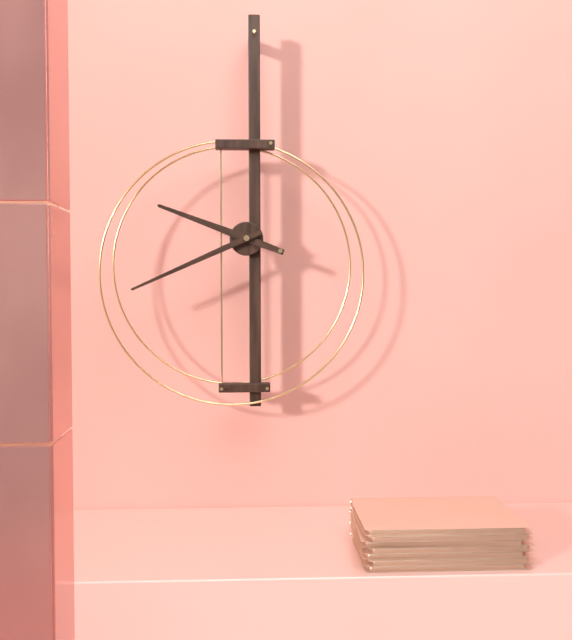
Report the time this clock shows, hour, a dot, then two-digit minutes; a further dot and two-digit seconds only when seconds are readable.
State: 9.41
